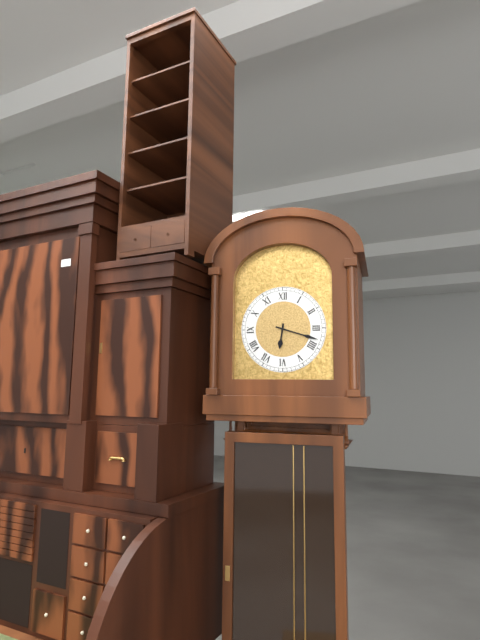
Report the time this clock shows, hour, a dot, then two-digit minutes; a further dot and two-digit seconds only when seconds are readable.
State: 6.18
